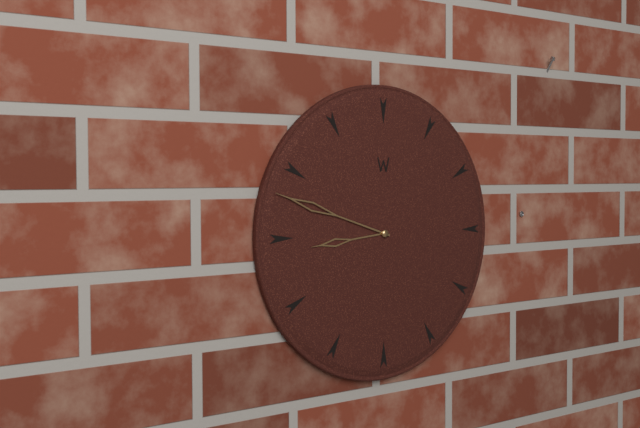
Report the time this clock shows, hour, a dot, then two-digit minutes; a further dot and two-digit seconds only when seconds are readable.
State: 8.48
